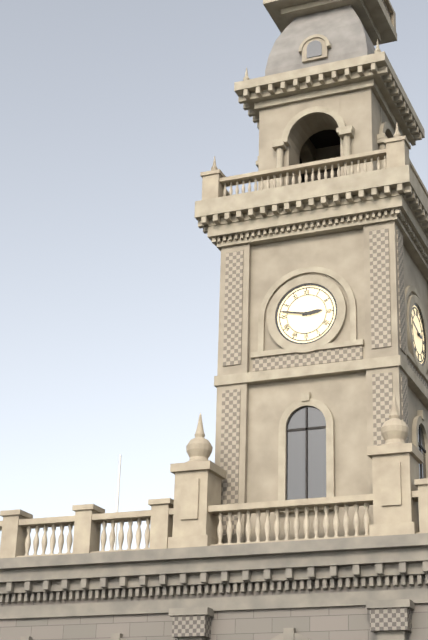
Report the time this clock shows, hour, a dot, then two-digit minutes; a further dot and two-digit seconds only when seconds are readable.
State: 2.47
